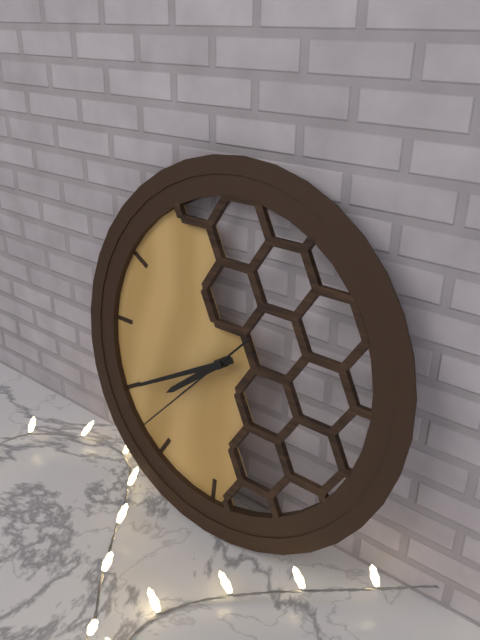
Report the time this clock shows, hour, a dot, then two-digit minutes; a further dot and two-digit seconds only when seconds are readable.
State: 7.40.37
